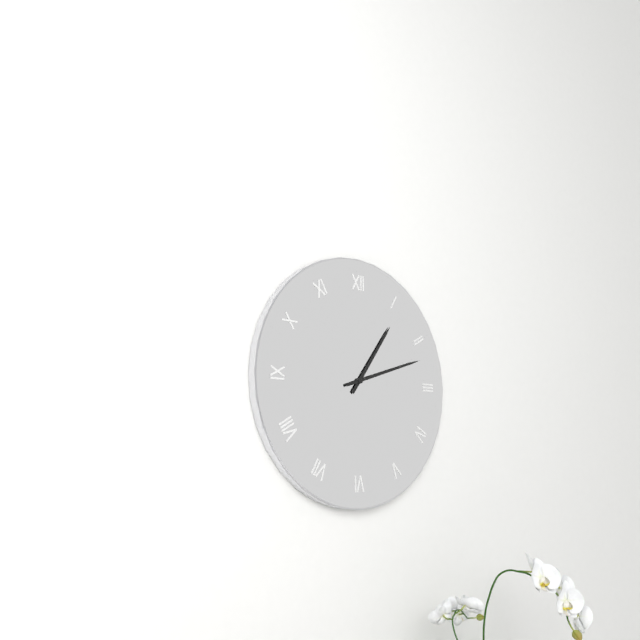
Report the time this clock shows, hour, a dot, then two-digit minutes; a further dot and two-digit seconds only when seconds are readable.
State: 1.12
